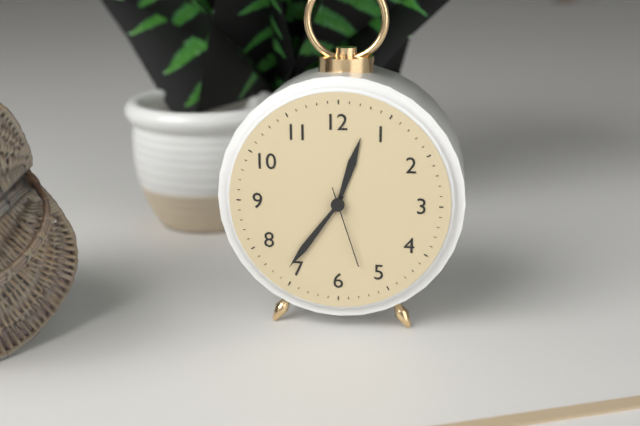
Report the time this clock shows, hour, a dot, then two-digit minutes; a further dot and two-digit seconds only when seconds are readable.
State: 12.36.27
